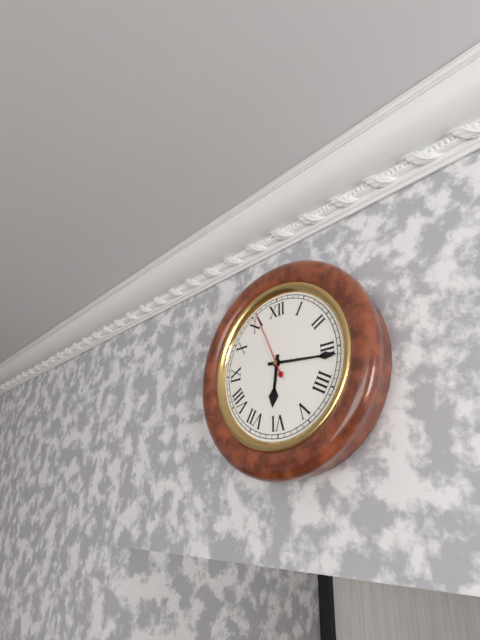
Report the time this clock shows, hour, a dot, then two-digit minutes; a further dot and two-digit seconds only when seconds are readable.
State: 6.16.56
